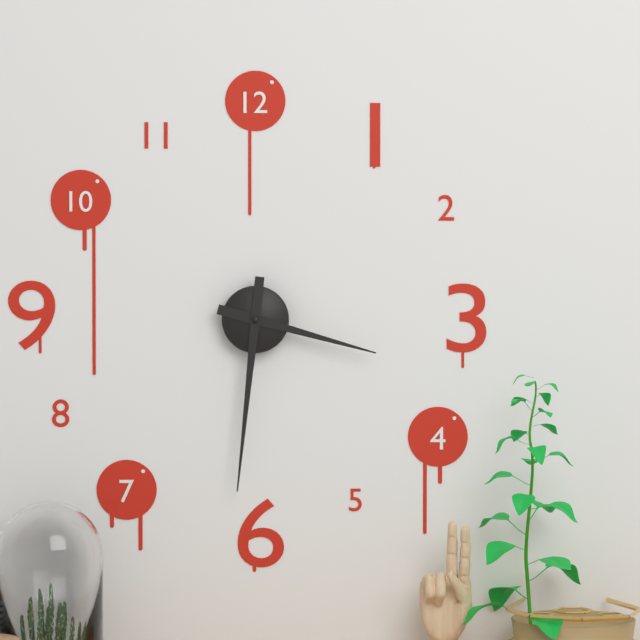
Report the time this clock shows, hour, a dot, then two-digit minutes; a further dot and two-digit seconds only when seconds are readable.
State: 3.31
